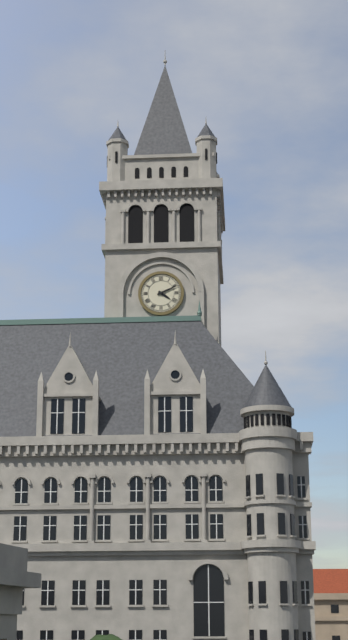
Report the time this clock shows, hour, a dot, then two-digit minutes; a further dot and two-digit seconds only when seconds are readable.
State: 4.11
